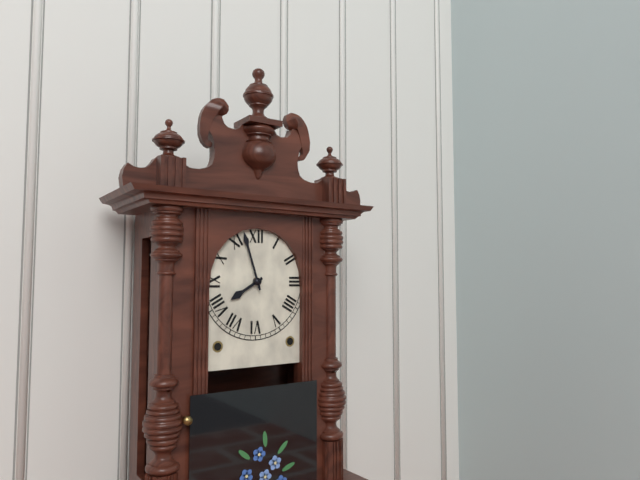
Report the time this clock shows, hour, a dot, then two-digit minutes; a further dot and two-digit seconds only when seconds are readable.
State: 7.57
